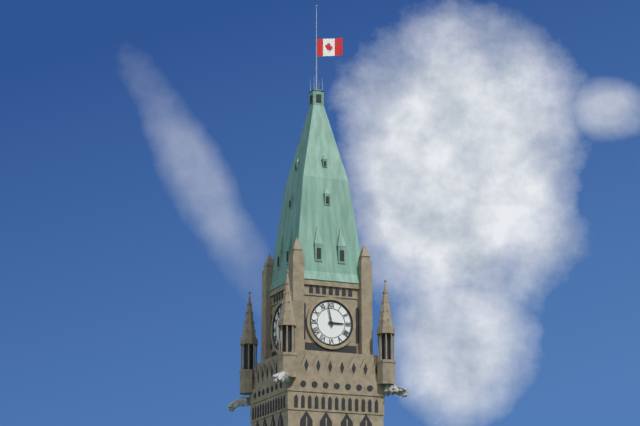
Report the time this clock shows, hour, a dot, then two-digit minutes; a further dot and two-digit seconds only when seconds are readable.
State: 2.58
